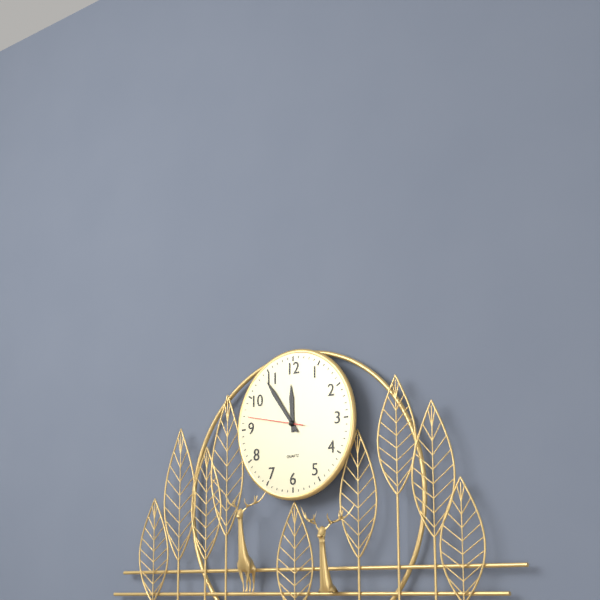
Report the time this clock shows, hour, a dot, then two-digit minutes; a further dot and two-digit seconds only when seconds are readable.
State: 11.54.47
